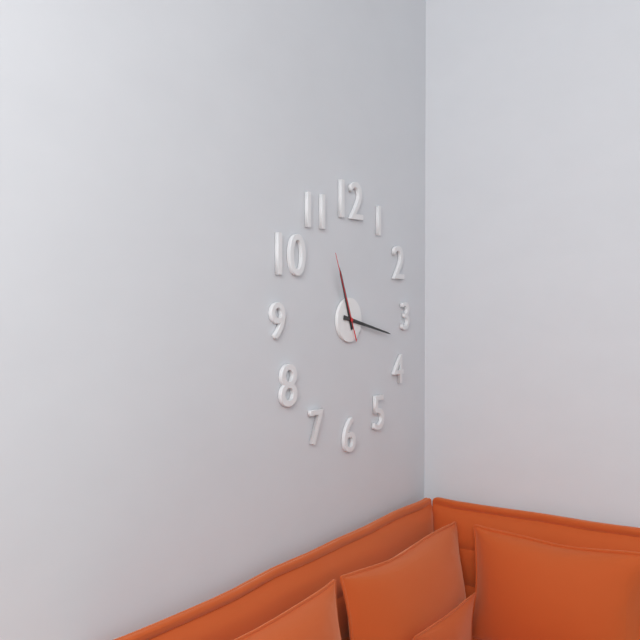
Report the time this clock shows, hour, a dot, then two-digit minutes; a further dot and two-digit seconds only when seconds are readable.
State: 11.17.56
